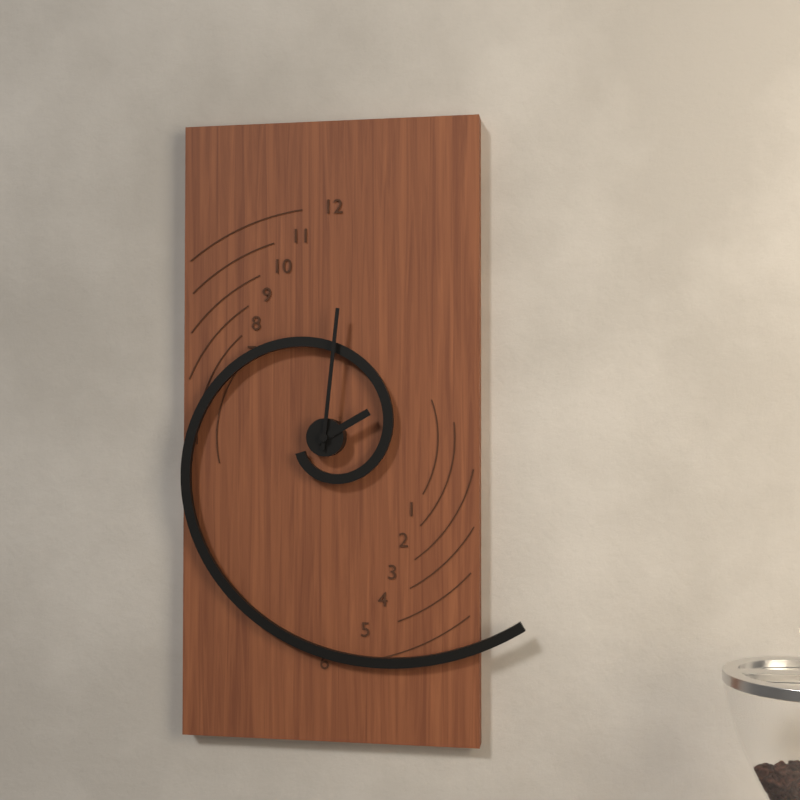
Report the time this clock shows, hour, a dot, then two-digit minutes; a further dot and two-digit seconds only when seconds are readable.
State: 2.01
